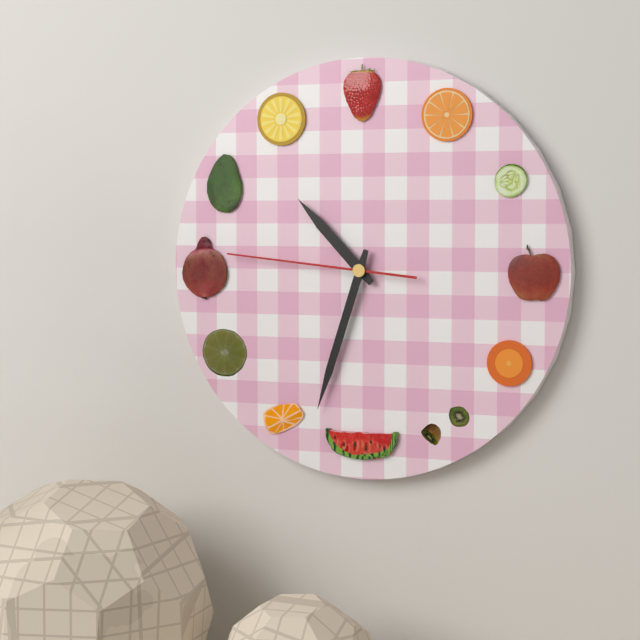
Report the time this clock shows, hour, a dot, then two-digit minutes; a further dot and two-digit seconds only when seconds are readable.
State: 10.33.46
